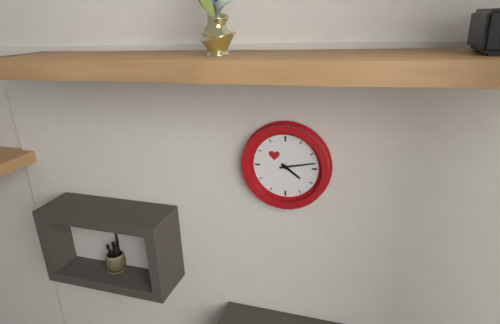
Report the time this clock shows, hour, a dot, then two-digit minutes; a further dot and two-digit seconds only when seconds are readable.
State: 4.13
